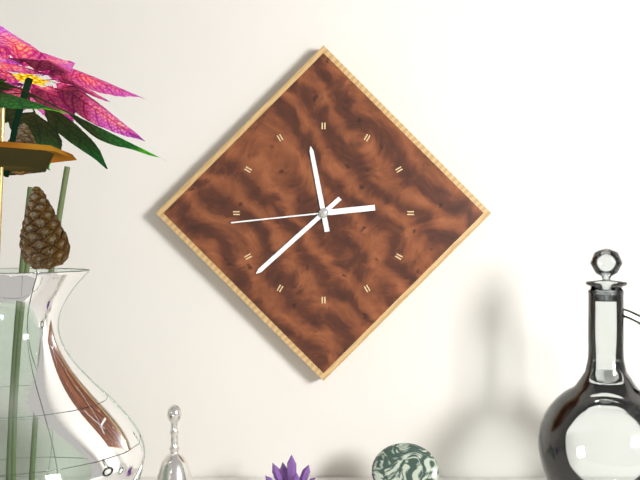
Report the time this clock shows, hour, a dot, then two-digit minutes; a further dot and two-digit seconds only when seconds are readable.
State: 11.38.44
